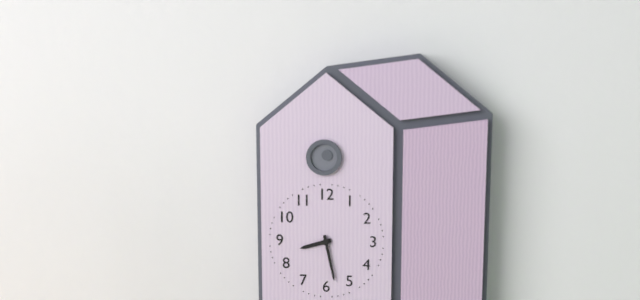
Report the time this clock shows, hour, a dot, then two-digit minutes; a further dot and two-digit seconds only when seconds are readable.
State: 8.28
